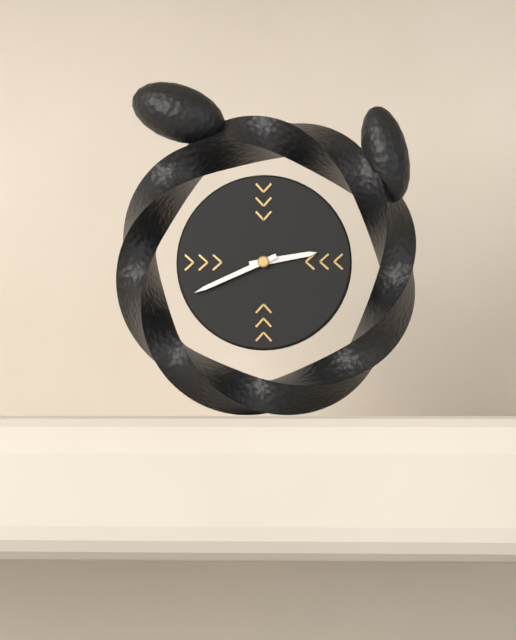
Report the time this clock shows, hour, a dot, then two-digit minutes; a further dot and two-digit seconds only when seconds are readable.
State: 2.41
